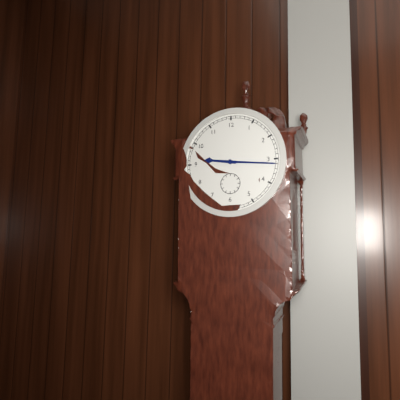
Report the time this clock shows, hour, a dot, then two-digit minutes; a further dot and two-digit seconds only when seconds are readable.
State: 9.16
